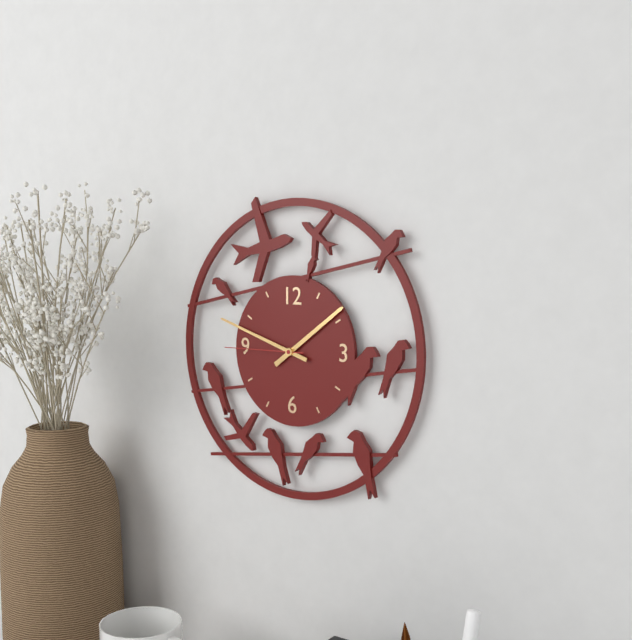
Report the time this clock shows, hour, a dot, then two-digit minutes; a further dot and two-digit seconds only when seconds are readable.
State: 1.48.45
